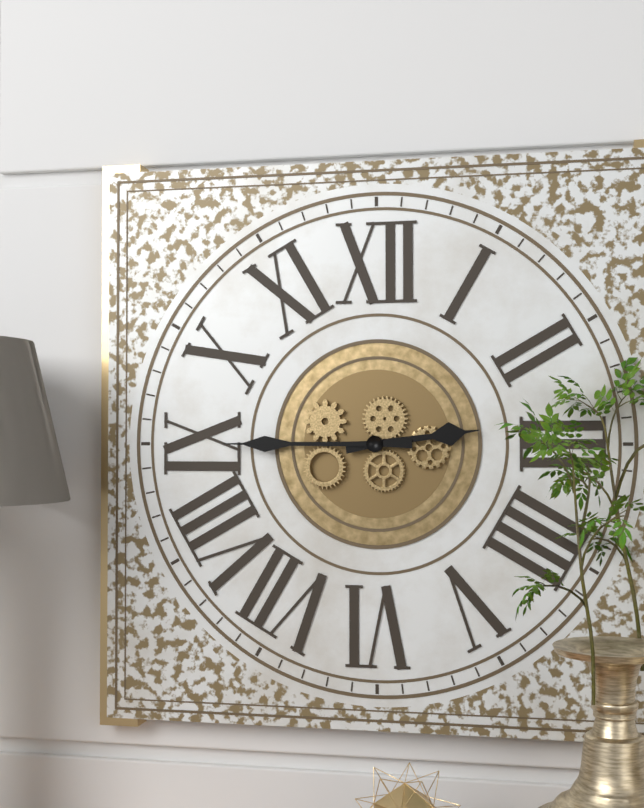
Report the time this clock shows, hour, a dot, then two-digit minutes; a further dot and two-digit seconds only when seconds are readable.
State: 2.45
